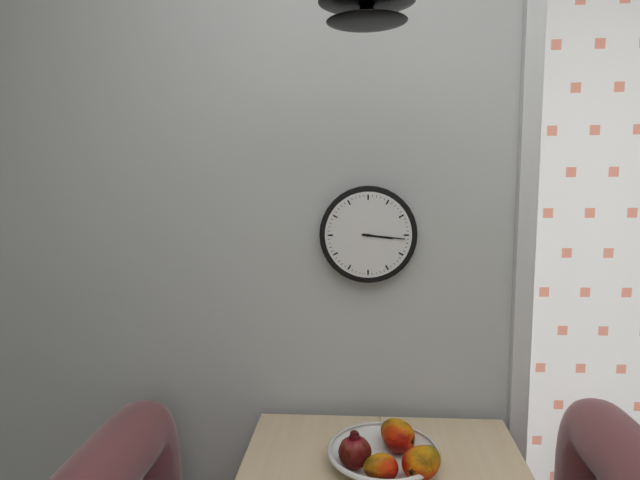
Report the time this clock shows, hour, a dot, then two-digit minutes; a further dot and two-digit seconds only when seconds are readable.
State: 3.16
